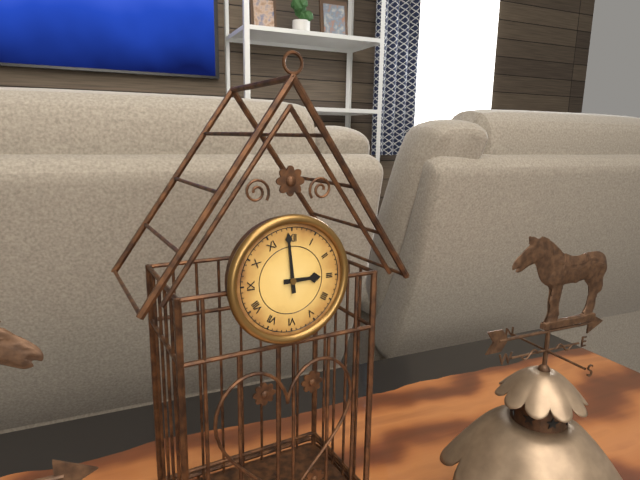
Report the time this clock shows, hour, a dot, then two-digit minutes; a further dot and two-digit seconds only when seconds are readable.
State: 2.59
